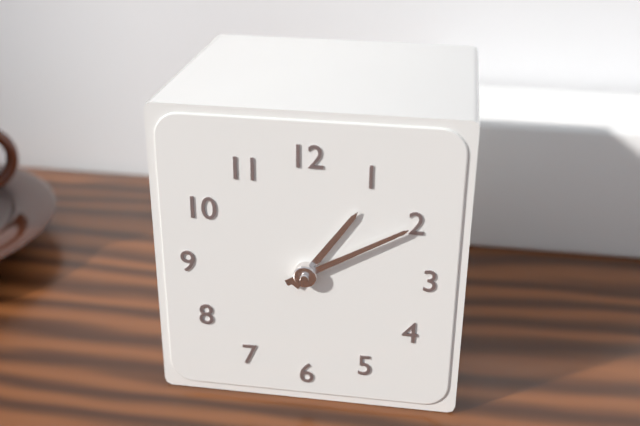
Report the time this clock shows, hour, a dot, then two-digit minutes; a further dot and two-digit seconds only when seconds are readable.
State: 1.10
